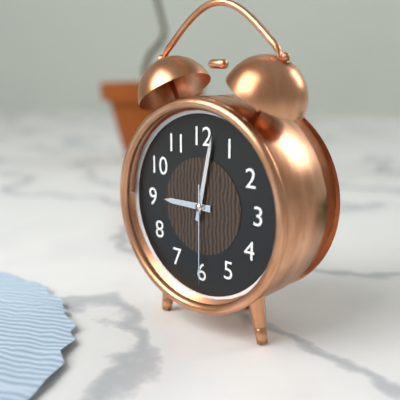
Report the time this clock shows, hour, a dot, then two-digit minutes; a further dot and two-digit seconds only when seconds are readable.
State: 9.02.30
